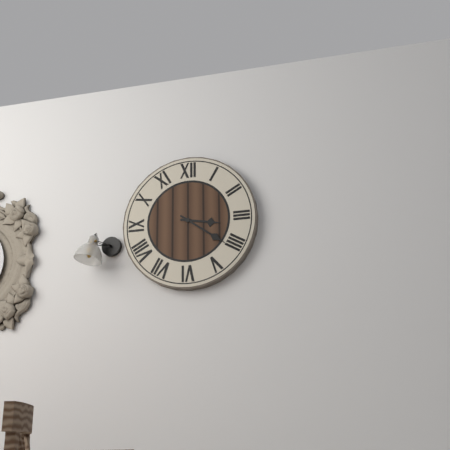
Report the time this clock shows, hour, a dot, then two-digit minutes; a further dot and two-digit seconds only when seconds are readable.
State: 3.21
